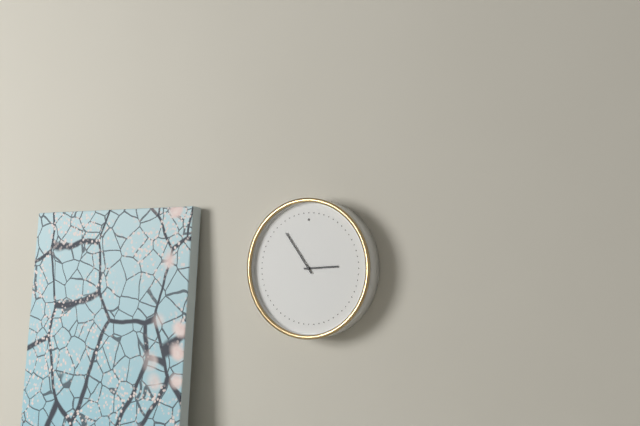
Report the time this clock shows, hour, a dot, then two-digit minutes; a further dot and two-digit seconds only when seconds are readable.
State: 2.54
